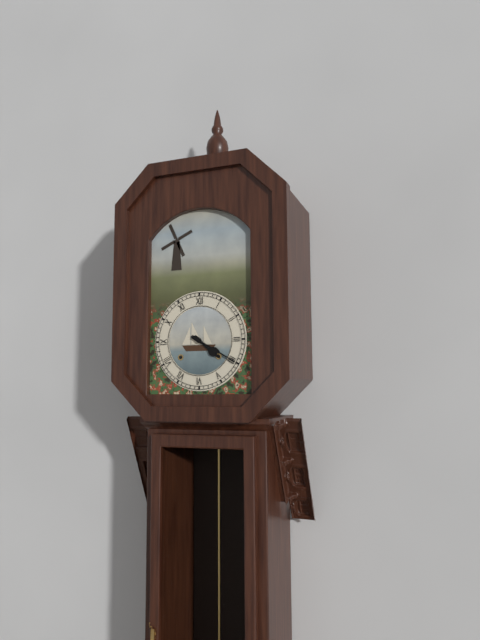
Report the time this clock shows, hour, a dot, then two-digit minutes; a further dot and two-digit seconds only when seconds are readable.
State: 4.20
